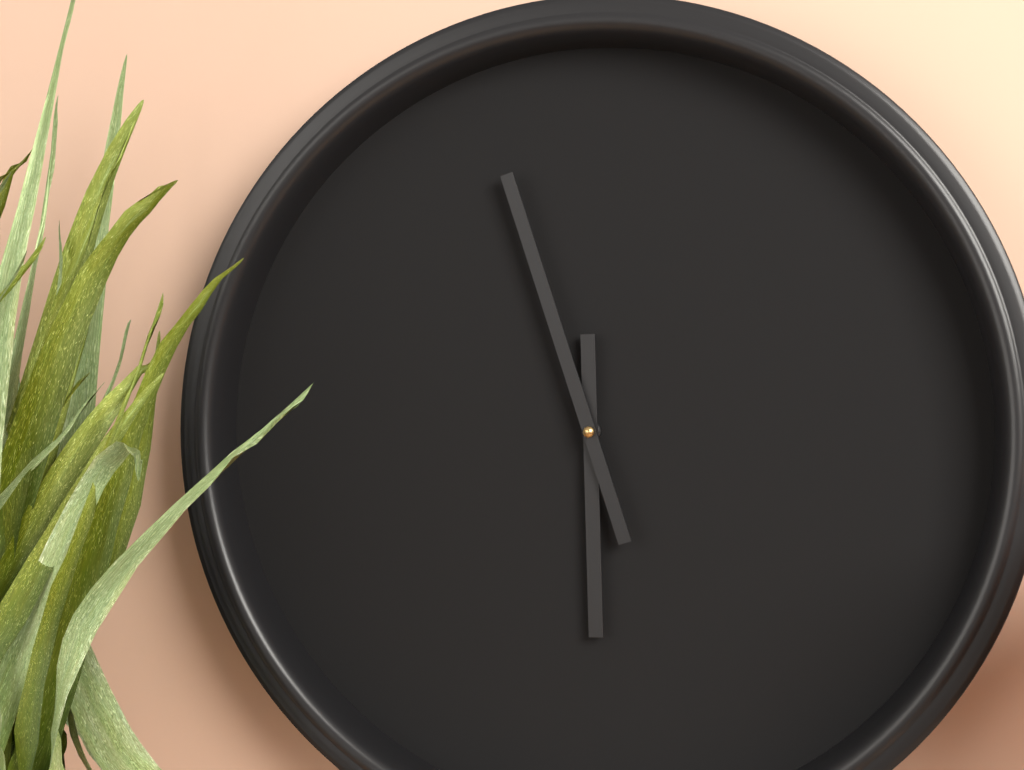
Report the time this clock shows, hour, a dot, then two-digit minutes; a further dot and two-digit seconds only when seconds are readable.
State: 5.57
